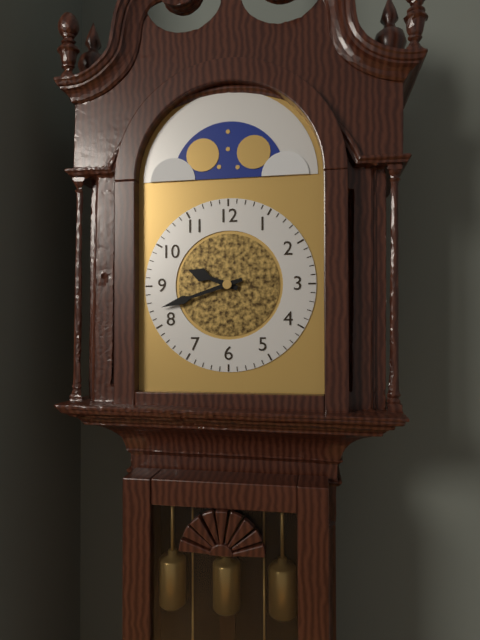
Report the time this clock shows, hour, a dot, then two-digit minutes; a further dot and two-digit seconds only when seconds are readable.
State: 9.42
